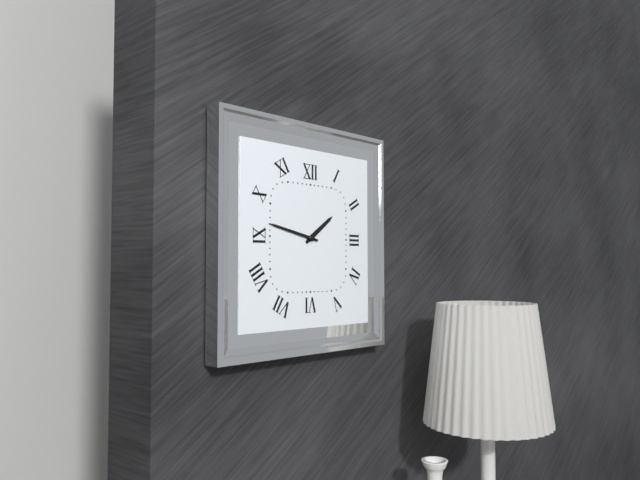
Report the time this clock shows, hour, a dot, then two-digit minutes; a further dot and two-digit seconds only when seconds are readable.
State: 1.47
